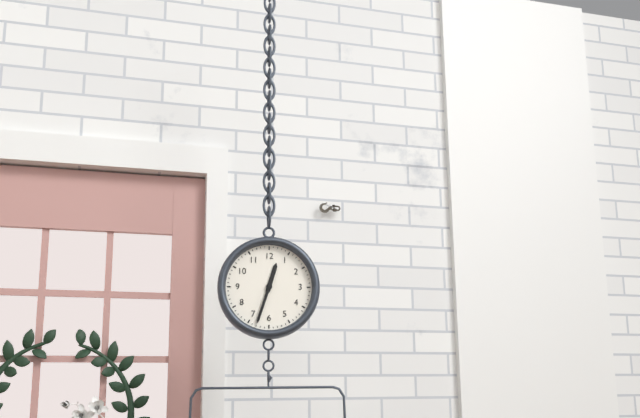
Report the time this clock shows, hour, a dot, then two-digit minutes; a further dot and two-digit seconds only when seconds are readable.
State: 12.33
